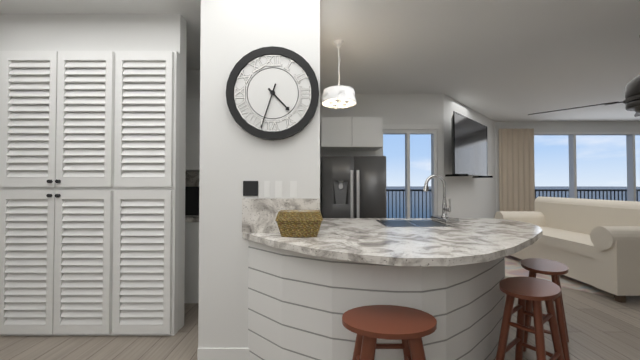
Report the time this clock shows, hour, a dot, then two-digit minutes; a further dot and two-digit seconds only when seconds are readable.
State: 4.33
